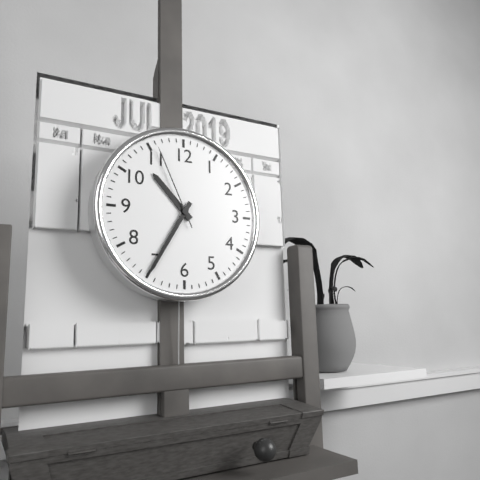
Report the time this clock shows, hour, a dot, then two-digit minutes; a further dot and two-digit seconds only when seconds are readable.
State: 10.35.56
